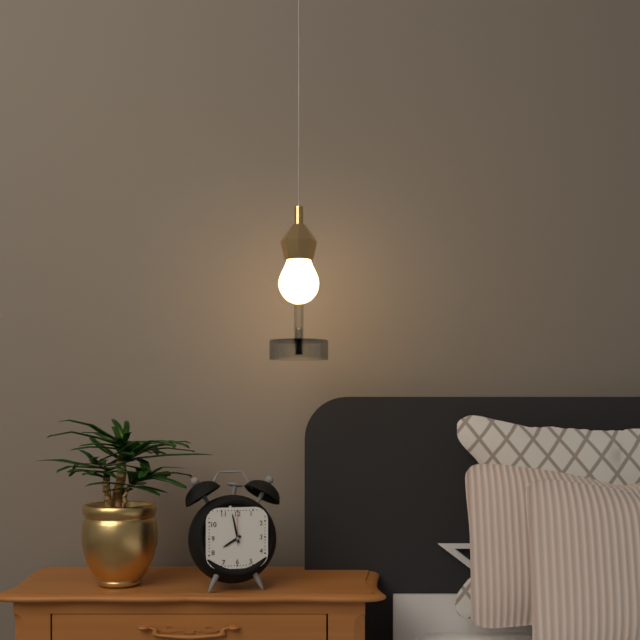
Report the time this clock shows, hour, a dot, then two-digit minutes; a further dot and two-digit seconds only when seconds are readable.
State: 7.58
